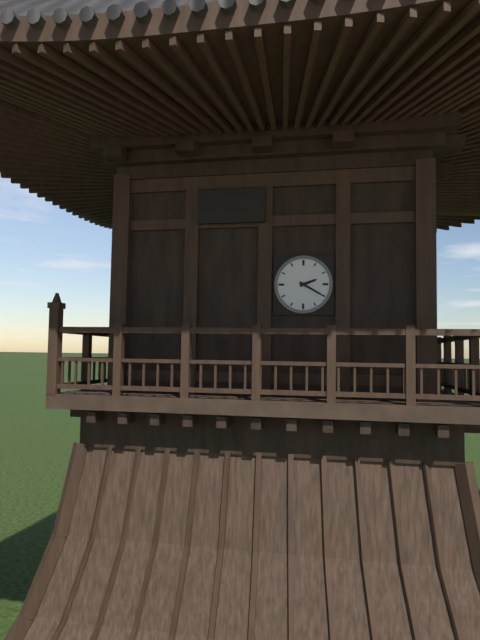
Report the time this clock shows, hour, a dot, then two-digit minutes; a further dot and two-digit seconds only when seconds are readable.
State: 2.20
